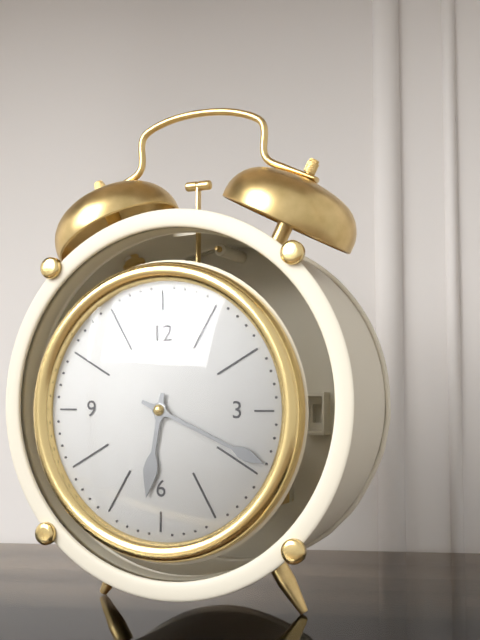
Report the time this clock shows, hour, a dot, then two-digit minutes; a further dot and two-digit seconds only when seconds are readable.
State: 6.19
